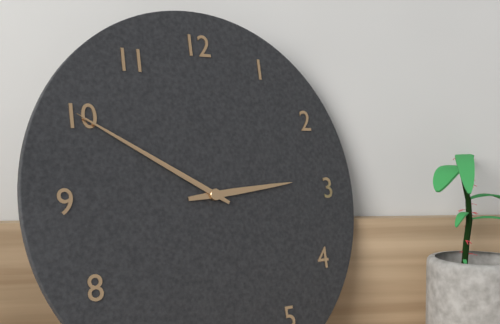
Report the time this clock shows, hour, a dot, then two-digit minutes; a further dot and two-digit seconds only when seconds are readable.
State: 2.50
